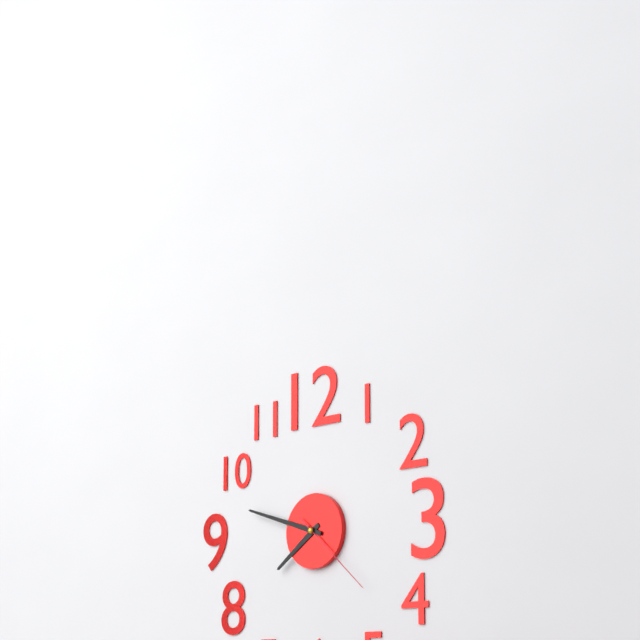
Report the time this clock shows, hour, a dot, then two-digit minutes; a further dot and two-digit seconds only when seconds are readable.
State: 7.48.22
